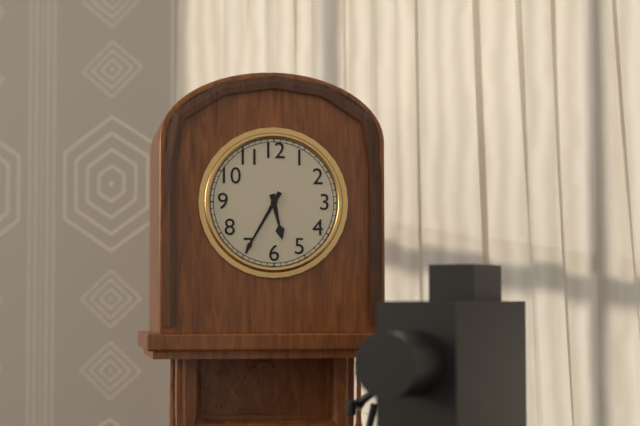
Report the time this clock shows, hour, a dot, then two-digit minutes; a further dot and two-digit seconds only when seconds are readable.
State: 5.35
